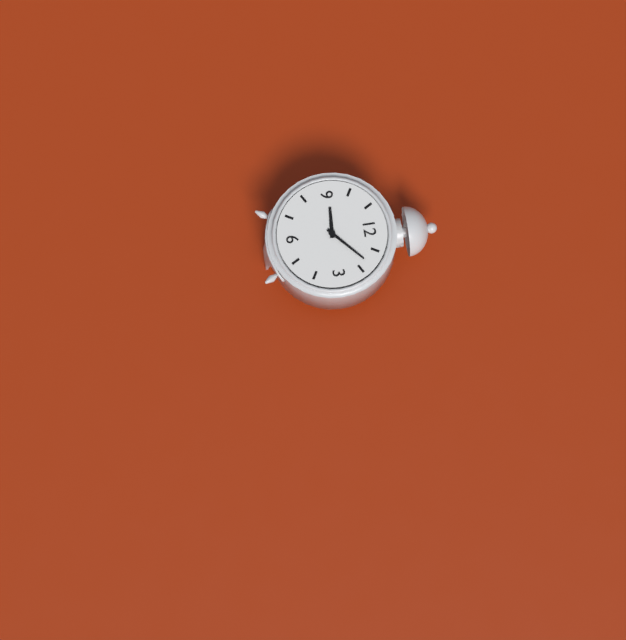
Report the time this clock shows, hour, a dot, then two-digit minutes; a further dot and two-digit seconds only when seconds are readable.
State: 9.08
